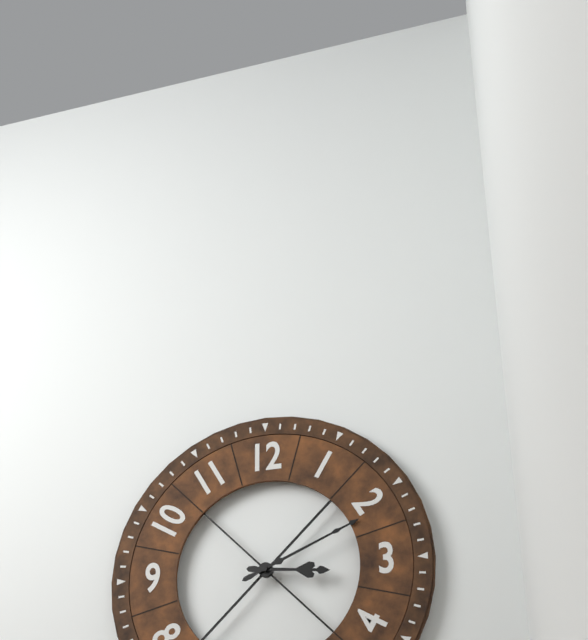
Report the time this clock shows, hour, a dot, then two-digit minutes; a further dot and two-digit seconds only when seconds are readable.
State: 3.11
